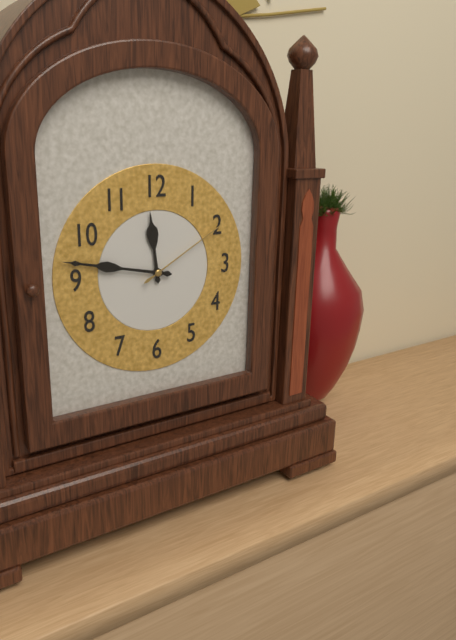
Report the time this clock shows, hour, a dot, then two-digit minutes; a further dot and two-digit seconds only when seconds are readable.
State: 11.47.10
